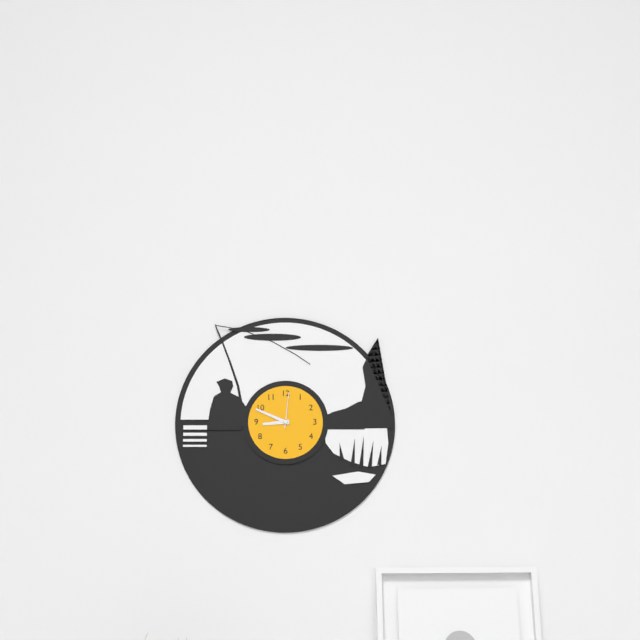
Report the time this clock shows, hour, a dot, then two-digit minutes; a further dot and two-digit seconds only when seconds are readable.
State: 8.49
